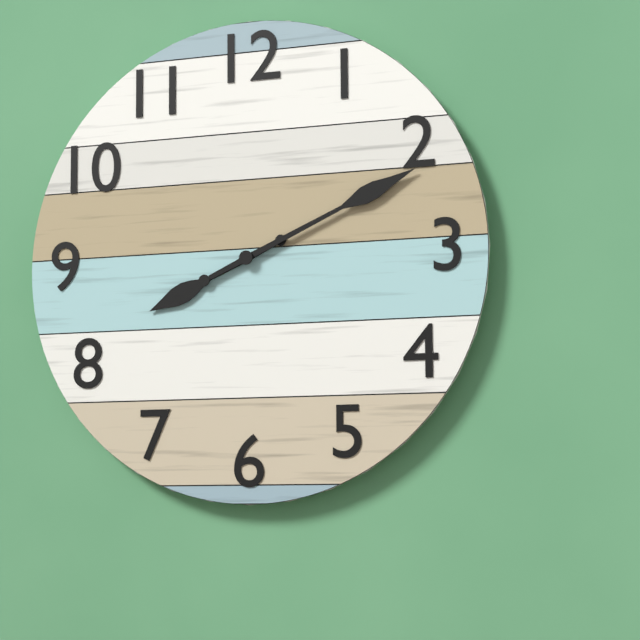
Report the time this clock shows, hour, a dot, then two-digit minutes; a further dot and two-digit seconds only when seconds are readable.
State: 8.11
